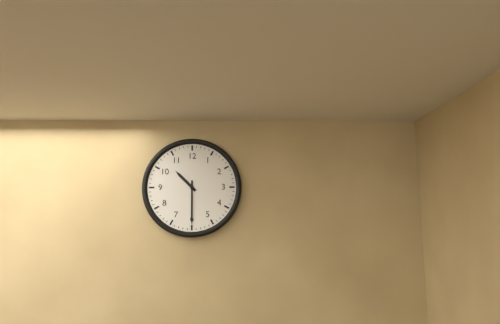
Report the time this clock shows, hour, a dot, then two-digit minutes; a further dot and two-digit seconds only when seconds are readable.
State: 10.30
